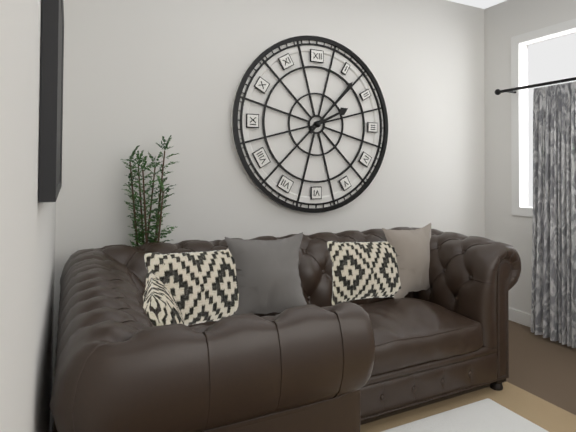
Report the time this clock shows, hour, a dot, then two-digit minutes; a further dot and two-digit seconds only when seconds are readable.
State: 2.07
